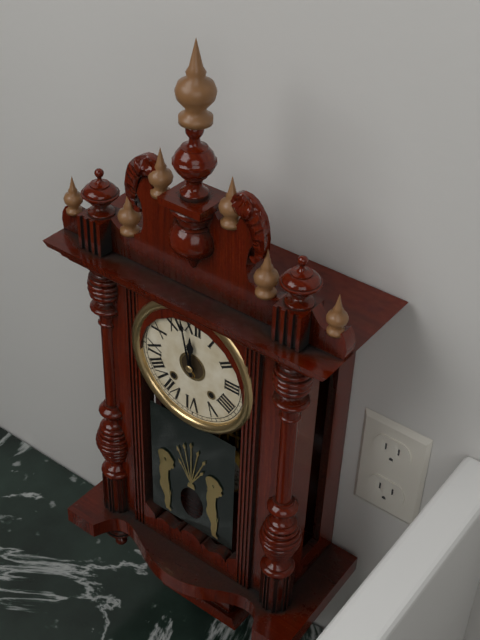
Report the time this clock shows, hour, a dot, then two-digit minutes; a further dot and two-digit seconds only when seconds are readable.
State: 11.58
